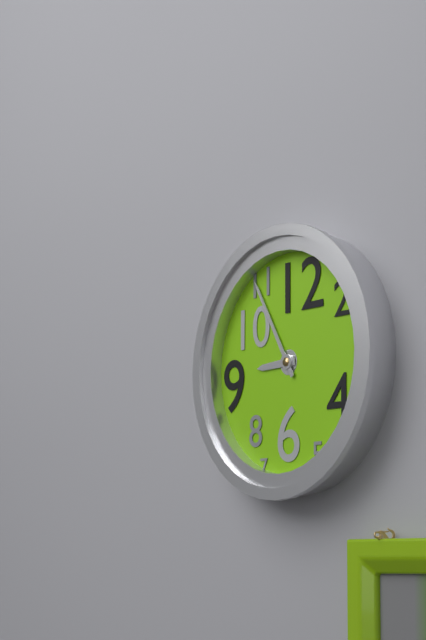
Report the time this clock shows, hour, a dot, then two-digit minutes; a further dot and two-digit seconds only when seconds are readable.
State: 8.55
